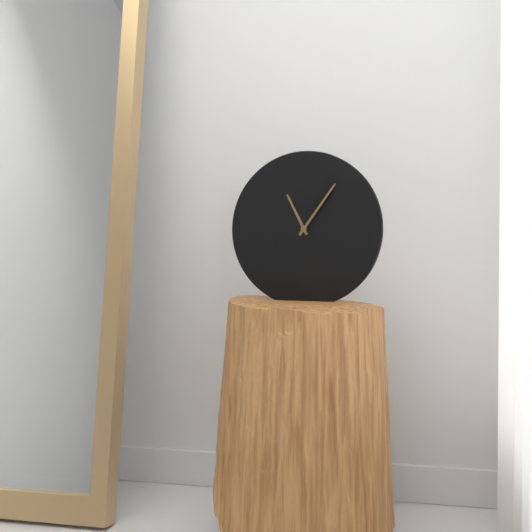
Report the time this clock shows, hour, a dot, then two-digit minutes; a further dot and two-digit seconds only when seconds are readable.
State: 11.06
